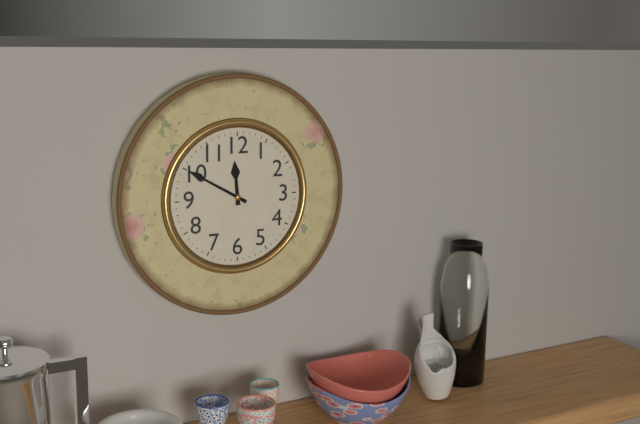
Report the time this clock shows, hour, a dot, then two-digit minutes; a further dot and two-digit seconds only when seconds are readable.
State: 11.50
